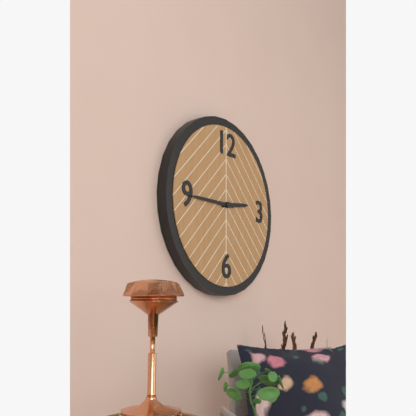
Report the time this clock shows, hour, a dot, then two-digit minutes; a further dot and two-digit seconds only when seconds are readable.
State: 2.45
